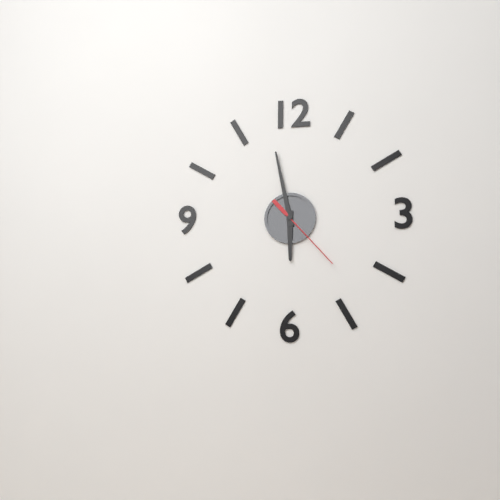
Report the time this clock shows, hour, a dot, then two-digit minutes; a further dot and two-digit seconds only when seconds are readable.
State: 5.58.23
